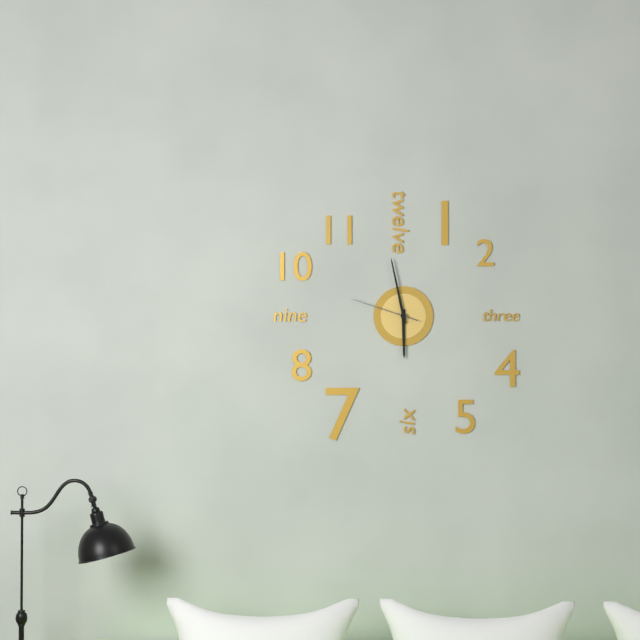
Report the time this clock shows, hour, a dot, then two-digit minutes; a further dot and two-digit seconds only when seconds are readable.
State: 5.58.48
